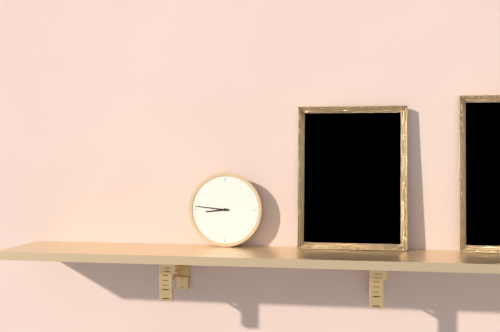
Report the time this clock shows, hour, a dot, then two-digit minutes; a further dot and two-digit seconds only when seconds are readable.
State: 8.46
